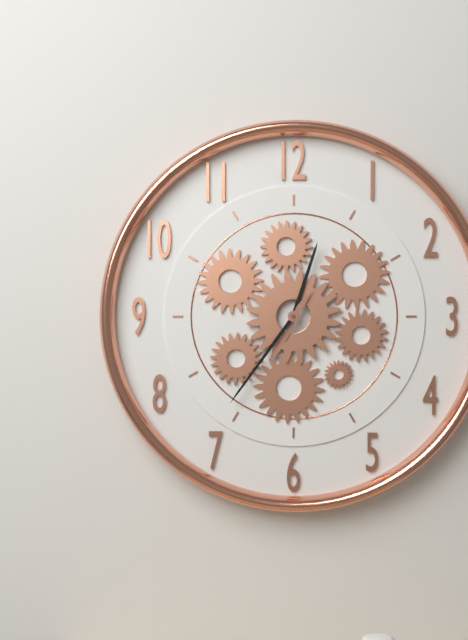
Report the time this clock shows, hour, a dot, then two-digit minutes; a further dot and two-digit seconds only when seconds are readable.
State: 12.36
